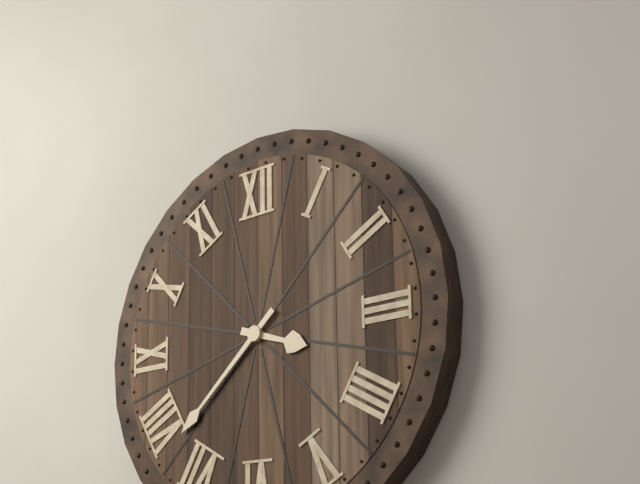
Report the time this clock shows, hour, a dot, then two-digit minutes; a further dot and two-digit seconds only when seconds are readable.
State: 3.38
